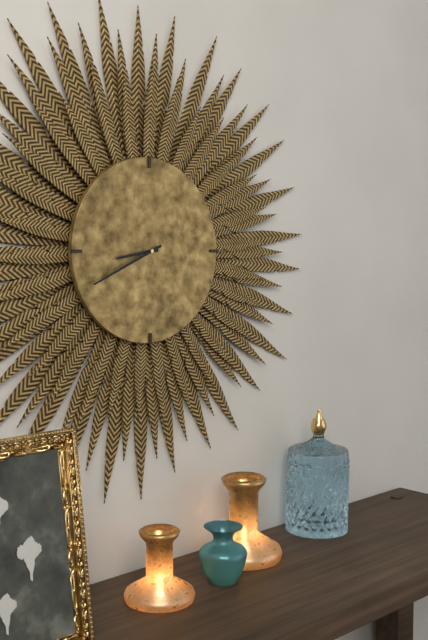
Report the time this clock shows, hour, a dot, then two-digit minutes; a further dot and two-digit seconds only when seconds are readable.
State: 8.41
